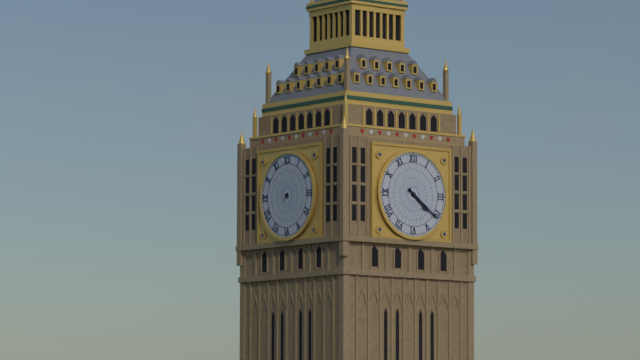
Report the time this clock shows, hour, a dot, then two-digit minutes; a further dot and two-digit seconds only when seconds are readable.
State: 4.21
